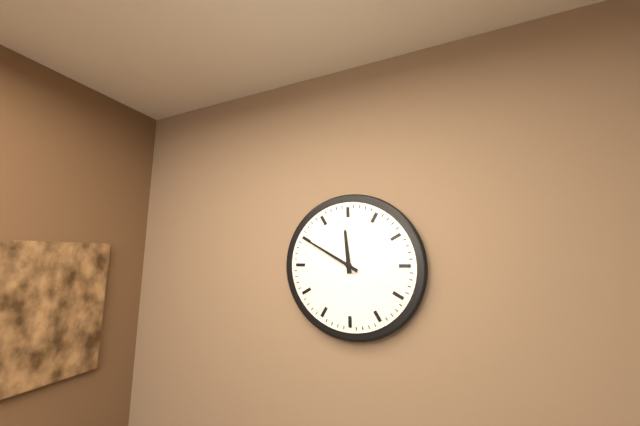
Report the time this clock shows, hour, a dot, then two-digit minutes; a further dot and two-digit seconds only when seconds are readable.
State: 11.50
